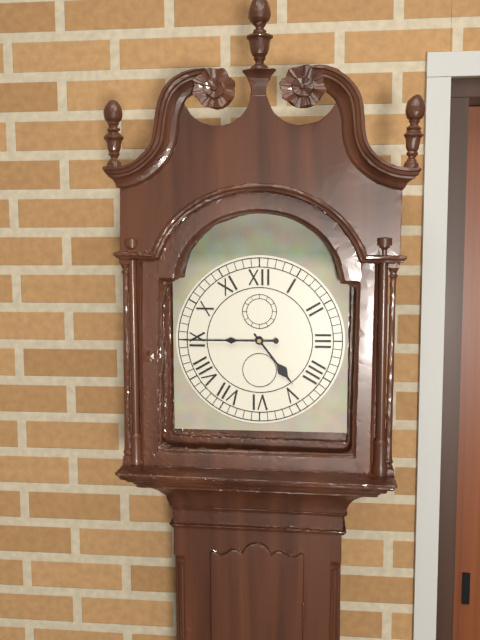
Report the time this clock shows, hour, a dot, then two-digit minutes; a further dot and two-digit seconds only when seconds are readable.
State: 4.45
